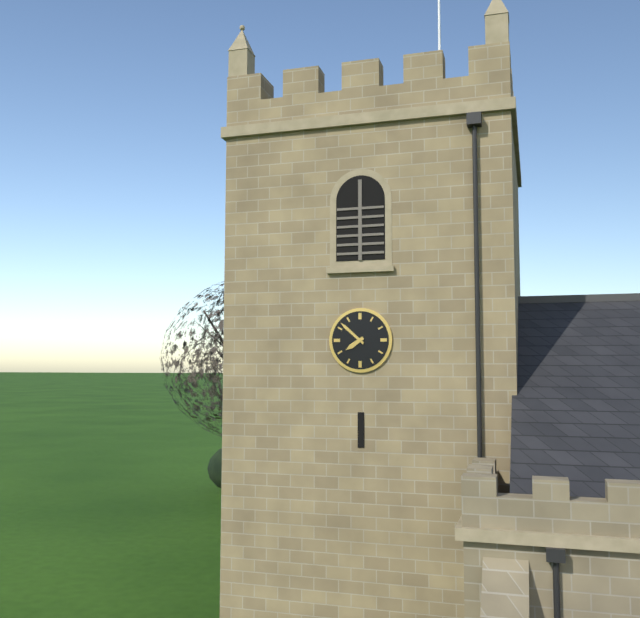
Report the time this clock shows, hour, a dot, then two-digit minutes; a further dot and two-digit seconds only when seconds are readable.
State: 7.52
